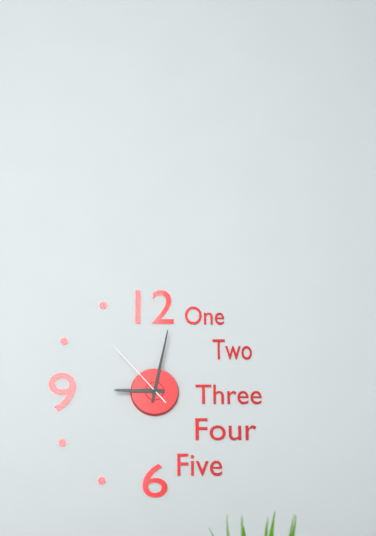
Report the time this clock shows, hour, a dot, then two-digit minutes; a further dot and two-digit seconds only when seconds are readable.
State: 9.02.53
